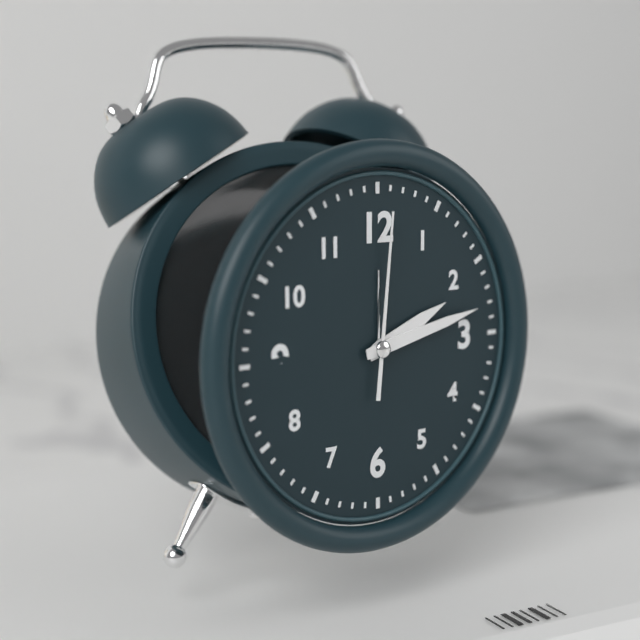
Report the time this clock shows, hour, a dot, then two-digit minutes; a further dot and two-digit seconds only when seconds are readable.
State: 2.13.01
